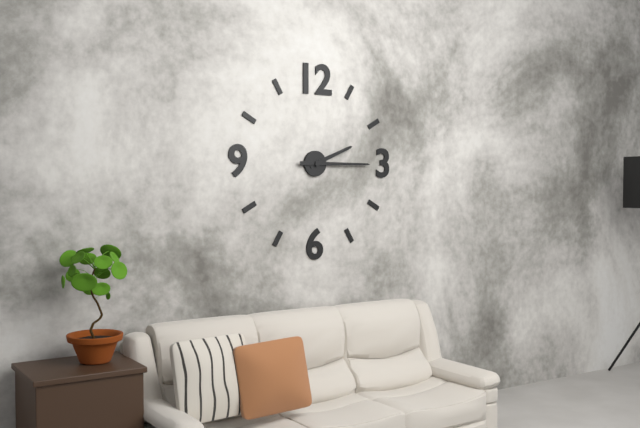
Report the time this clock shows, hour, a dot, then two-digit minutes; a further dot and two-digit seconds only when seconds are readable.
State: 2.15
